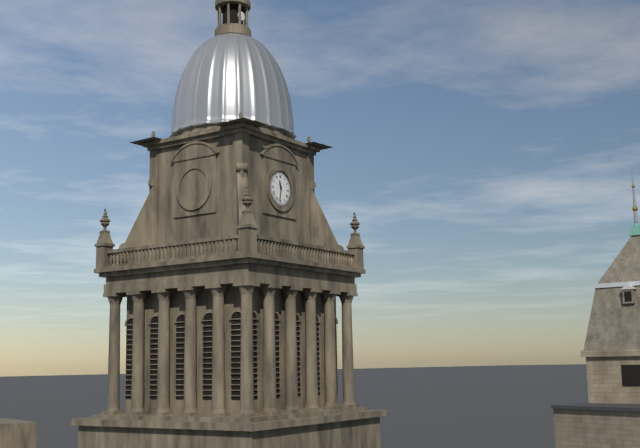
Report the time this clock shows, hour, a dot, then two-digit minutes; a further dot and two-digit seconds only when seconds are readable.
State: 11.32
